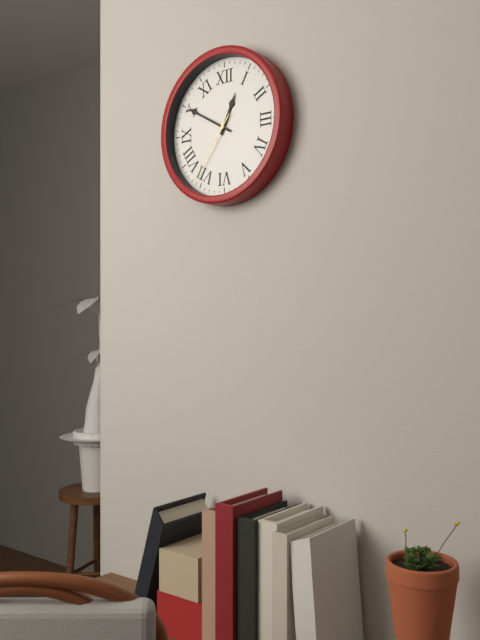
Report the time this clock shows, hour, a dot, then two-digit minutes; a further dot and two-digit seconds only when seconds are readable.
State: 12.50.36
